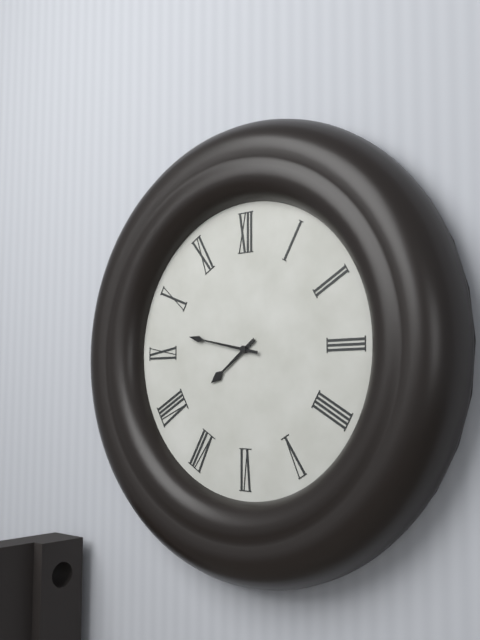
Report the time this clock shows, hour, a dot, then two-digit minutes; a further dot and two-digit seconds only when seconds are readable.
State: 7.47
